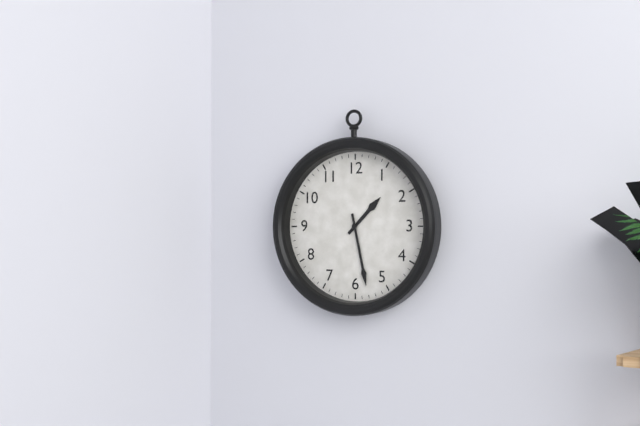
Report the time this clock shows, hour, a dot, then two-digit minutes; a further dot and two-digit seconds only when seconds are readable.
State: 1.28
